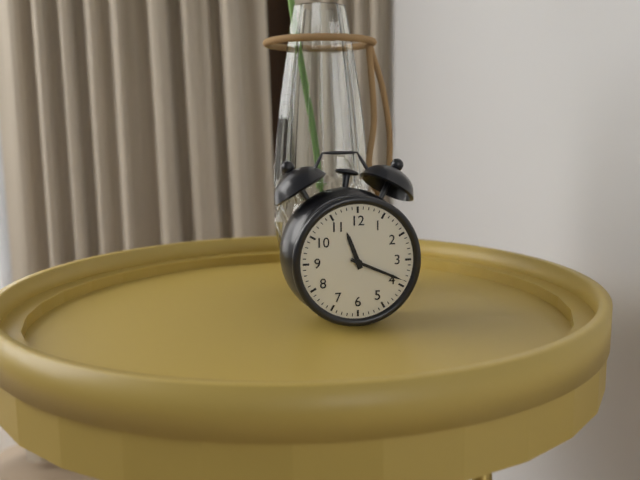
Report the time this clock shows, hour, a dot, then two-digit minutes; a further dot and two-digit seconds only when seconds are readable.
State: 11.19
